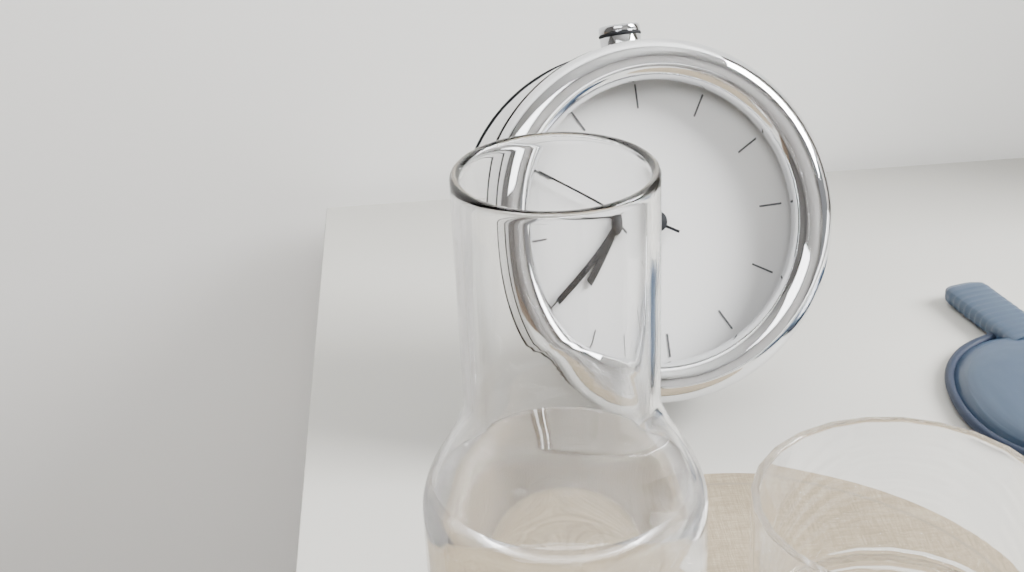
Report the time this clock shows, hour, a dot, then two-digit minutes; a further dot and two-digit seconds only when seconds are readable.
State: 7.40.50
